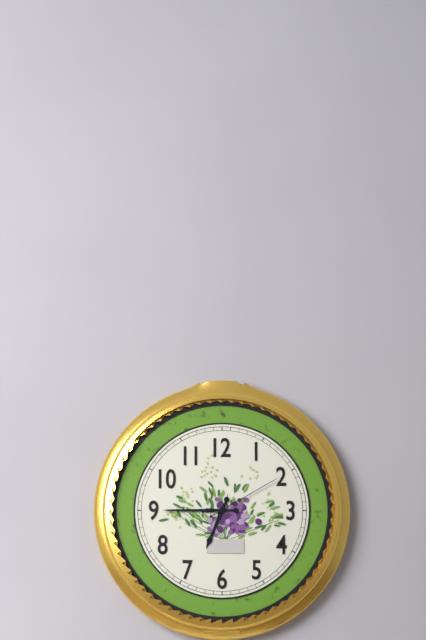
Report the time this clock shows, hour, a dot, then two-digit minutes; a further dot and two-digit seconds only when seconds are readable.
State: 6.45.10
